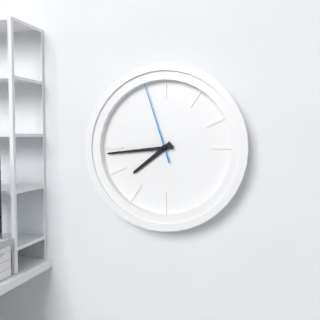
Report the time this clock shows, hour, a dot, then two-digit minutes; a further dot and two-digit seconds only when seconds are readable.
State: 7.44.57
